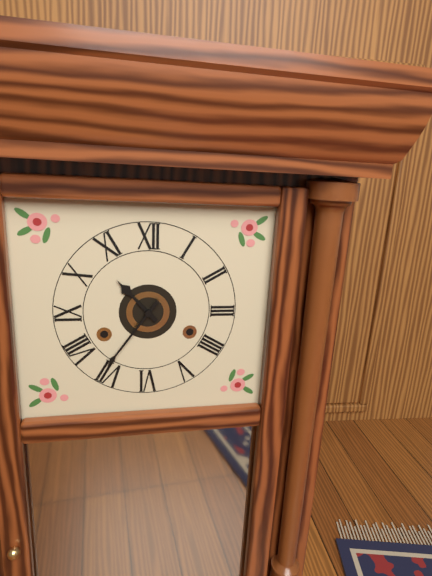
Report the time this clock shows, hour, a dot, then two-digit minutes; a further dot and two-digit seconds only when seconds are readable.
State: 10.36
